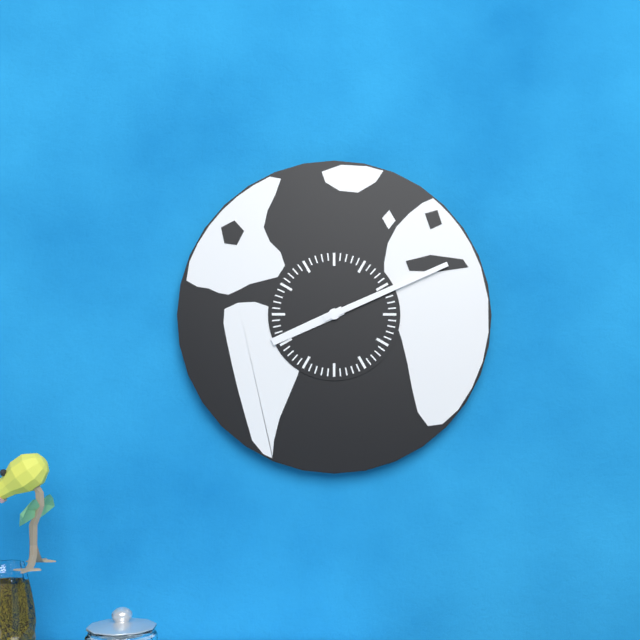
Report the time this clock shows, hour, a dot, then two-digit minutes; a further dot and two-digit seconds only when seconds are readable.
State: 8.11
